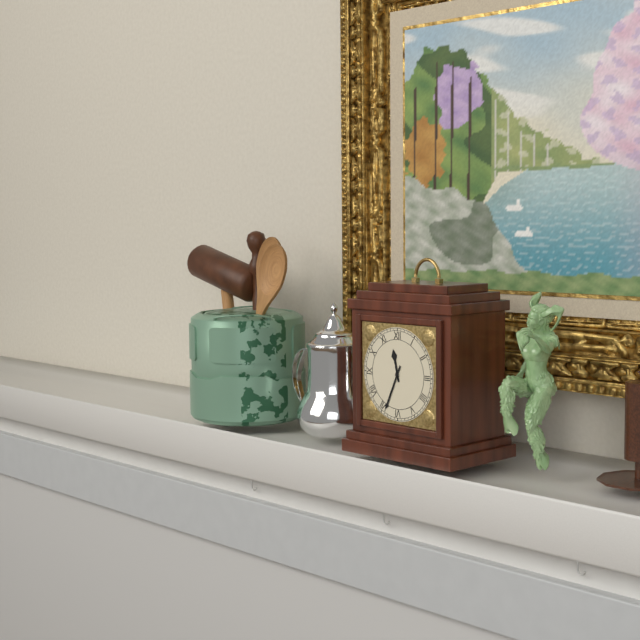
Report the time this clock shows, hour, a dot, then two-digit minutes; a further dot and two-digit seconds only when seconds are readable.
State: 11.34
